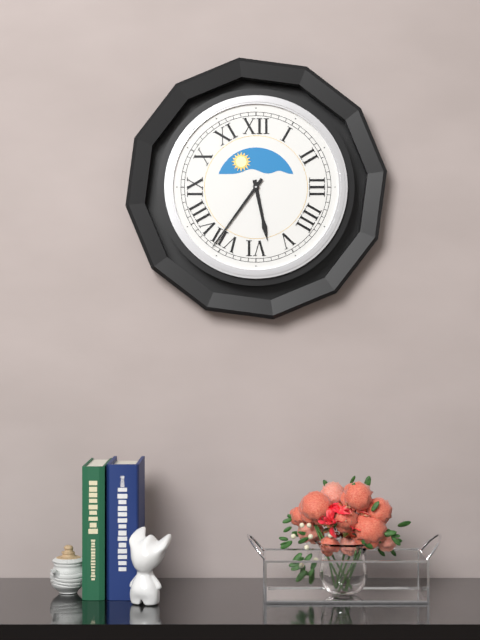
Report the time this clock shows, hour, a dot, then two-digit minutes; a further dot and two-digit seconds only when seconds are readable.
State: 5.36
